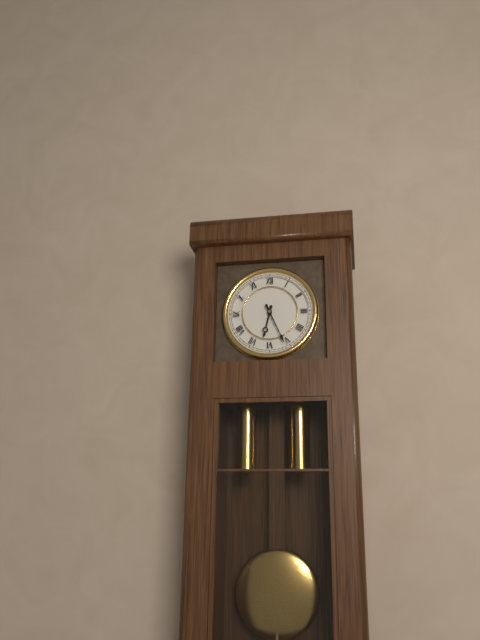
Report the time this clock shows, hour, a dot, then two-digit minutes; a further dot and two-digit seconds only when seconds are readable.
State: 6.26
